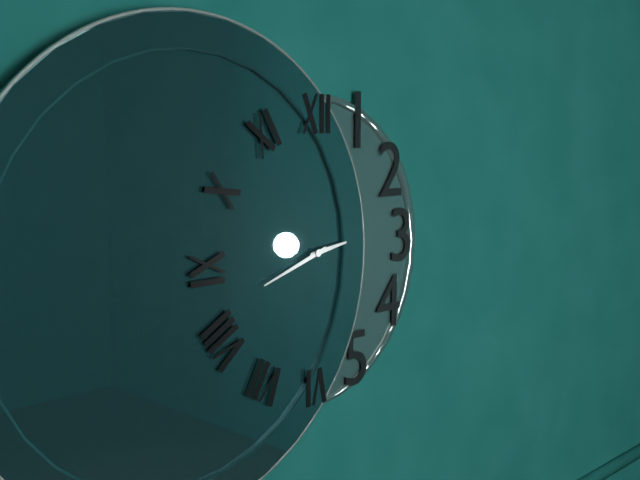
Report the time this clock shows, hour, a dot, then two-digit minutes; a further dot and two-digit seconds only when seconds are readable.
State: 2.42
